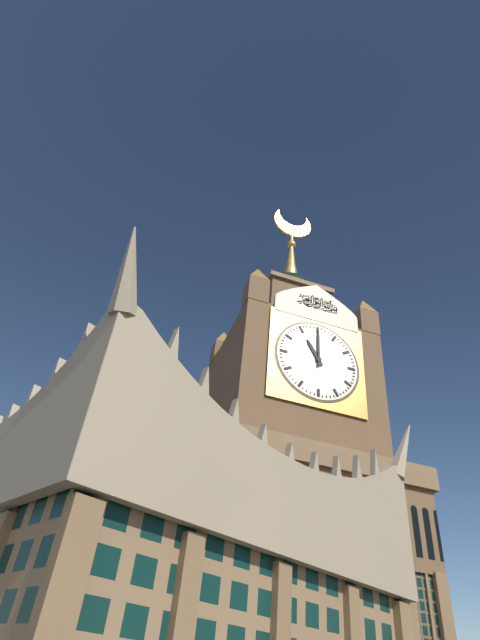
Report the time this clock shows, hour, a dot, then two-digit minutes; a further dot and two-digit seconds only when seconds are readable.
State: 11.00
